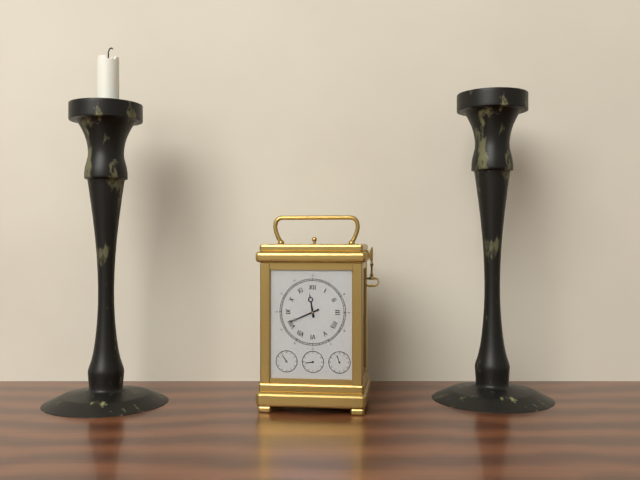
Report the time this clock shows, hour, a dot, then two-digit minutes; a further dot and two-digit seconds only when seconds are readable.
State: 11.41
